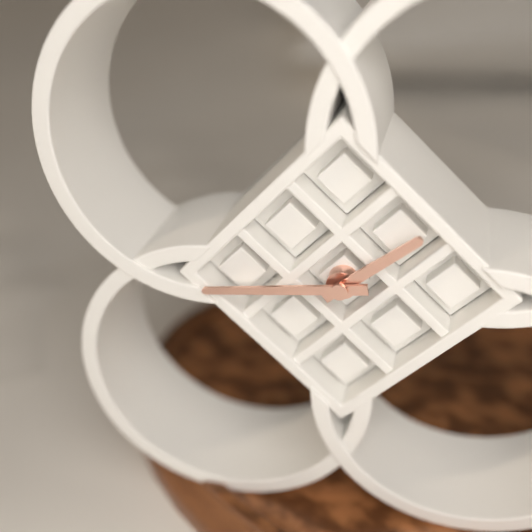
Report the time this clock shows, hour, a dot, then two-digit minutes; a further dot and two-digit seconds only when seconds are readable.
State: 1.44
